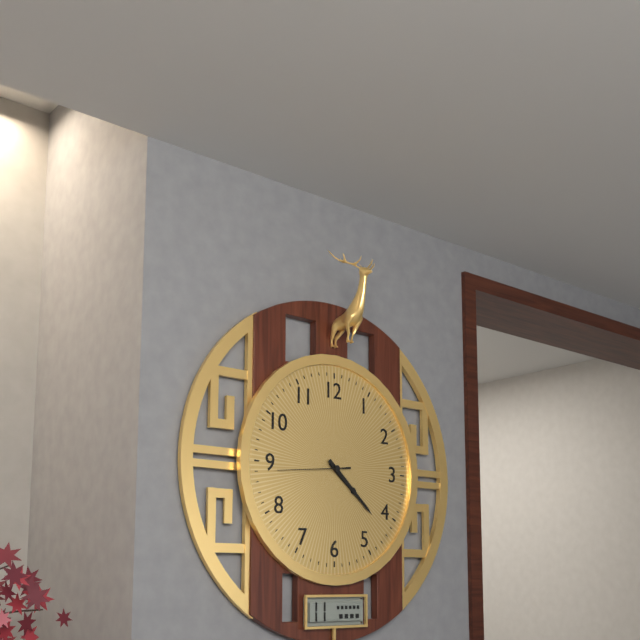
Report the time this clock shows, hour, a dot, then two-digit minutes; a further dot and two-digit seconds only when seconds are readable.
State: 4.22.44
